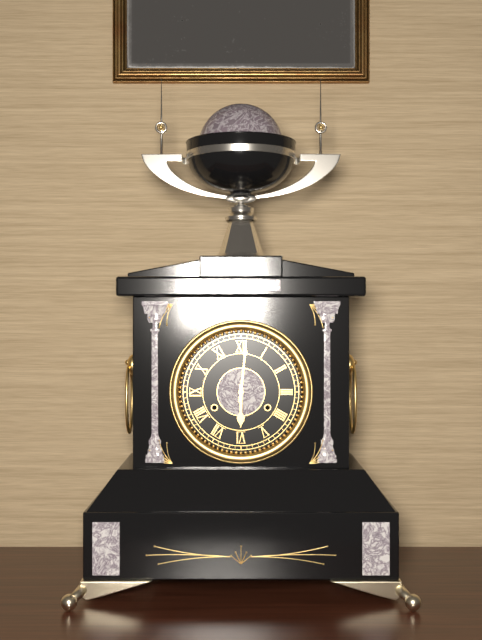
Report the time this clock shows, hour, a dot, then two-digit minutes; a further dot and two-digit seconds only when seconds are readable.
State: 6.01
